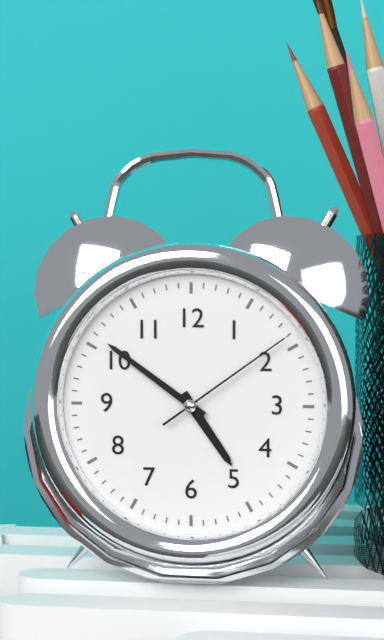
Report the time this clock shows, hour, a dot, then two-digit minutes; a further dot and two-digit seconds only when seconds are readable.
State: 4.51.09
